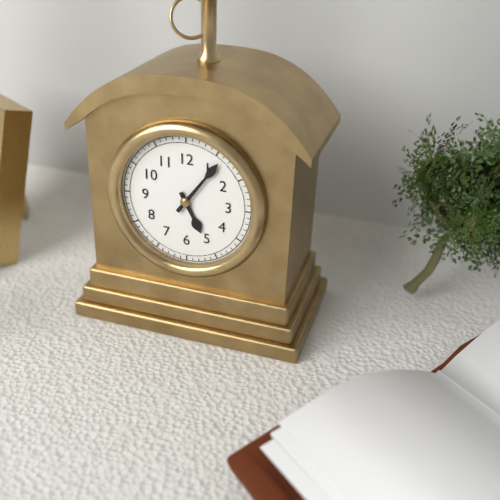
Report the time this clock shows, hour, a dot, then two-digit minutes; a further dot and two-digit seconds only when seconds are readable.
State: 5.06
